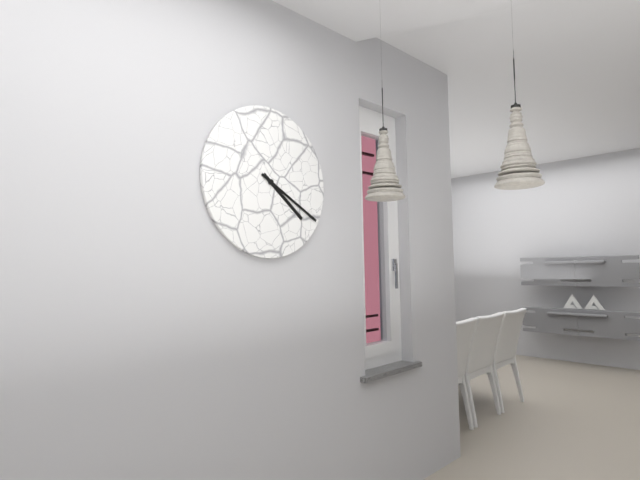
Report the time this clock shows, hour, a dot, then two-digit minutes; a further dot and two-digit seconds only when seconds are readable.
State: 4.20
